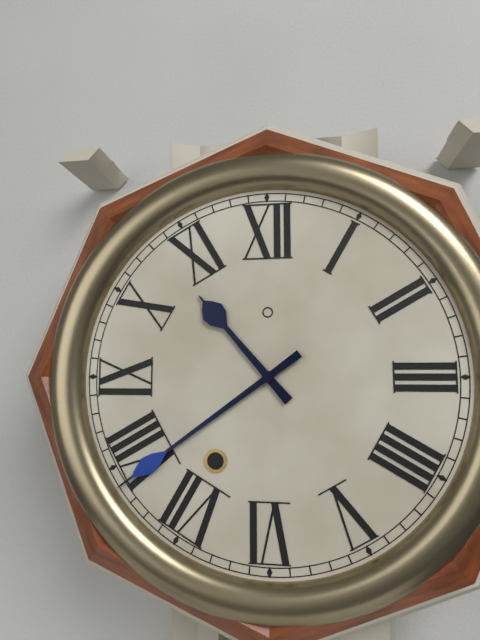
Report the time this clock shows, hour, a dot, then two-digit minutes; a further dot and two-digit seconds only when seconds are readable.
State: 10.39
